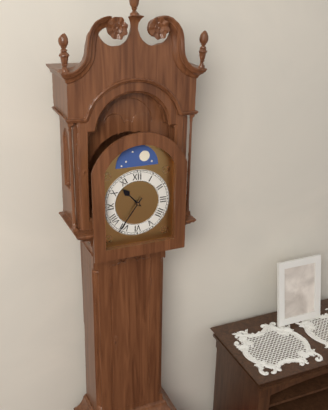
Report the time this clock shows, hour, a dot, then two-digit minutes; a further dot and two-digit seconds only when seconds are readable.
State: 10.36
